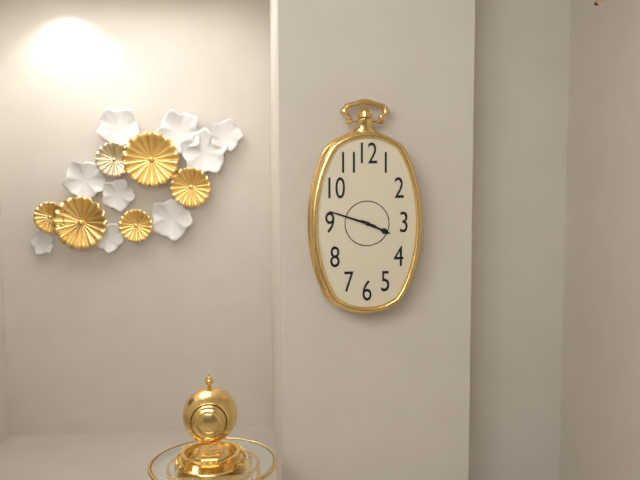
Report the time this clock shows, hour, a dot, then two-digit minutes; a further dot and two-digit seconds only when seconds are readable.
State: 3.48
